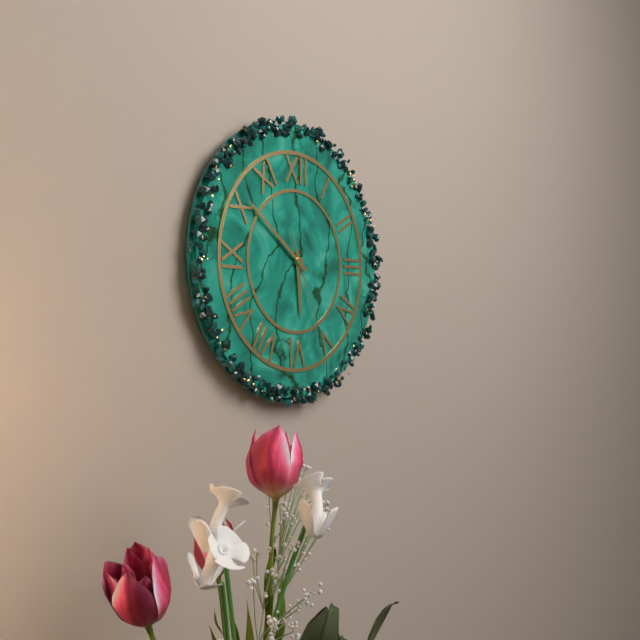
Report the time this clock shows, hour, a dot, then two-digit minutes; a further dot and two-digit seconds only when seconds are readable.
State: 5.51.26
